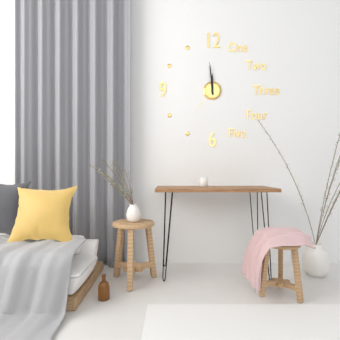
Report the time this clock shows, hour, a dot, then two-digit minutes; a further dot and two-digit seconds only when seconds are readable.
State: 11.59
